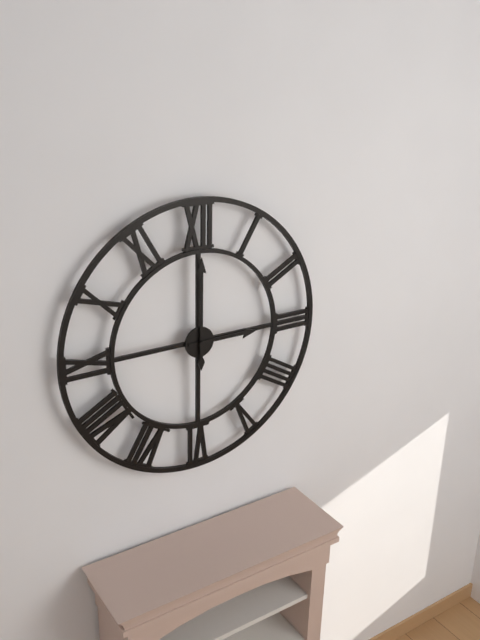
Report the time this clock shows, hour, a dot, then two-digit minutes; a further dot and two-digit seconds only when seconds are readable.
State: 3.00
